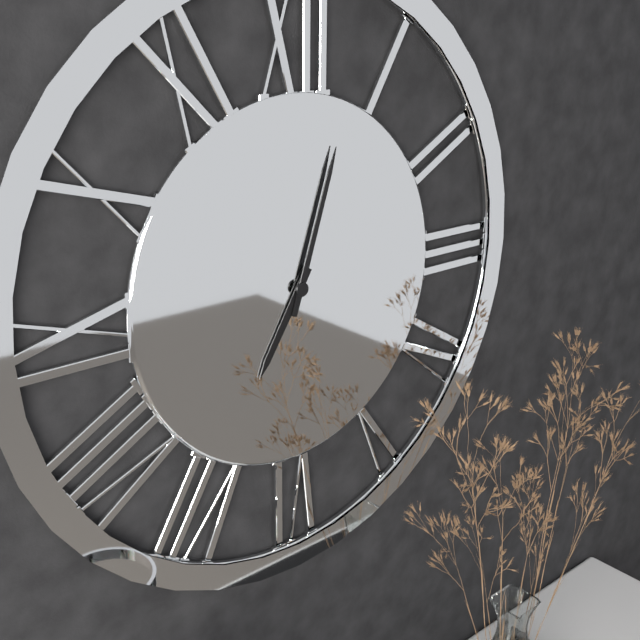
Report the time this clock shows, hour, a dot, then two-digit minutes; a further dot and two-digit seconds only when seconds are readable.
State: 7.03
